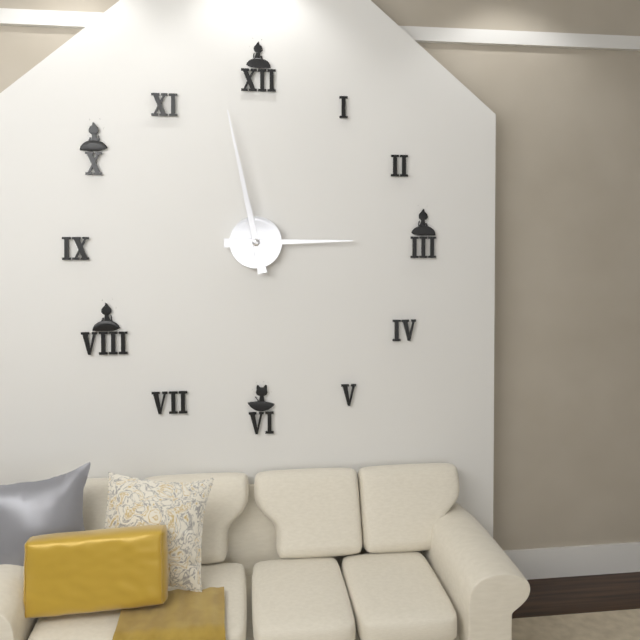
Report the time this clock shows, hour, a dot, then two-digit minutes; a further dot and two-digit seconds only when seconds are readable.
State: 2.58
